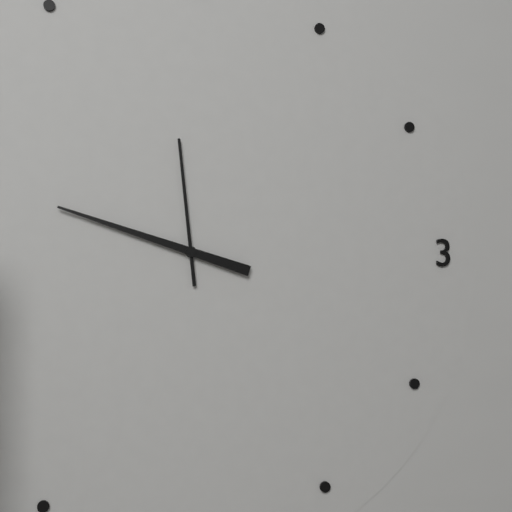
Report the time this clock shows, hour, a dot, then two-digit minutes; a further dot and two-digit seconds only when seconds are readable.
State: 11.48
